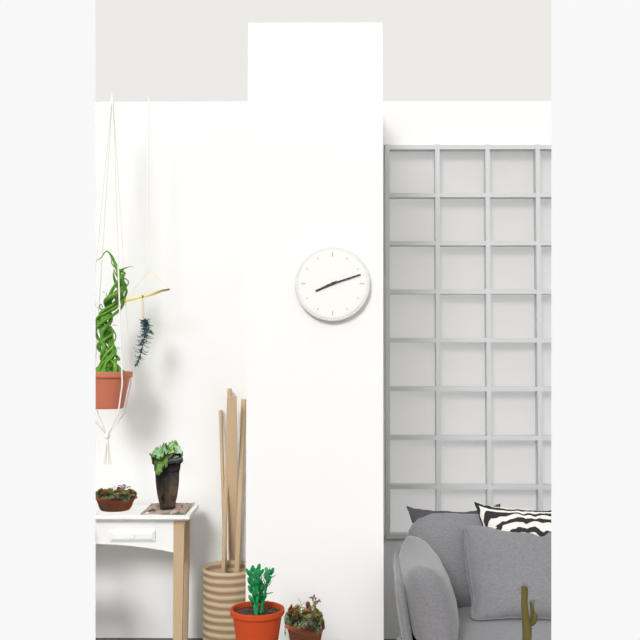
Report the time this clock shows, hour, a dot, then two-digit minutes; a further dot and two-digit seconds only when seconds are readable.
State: 8.12
